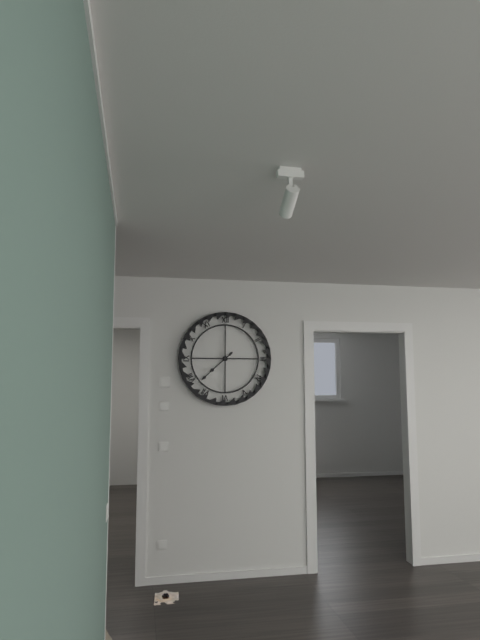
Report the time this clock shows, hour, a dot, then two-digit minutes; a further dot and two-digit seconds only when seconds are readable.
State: 7.38
